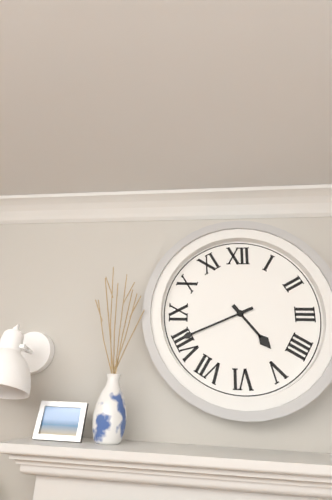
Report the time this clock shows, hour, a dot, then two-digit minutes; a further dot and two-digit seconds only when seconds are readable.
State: 4.41
